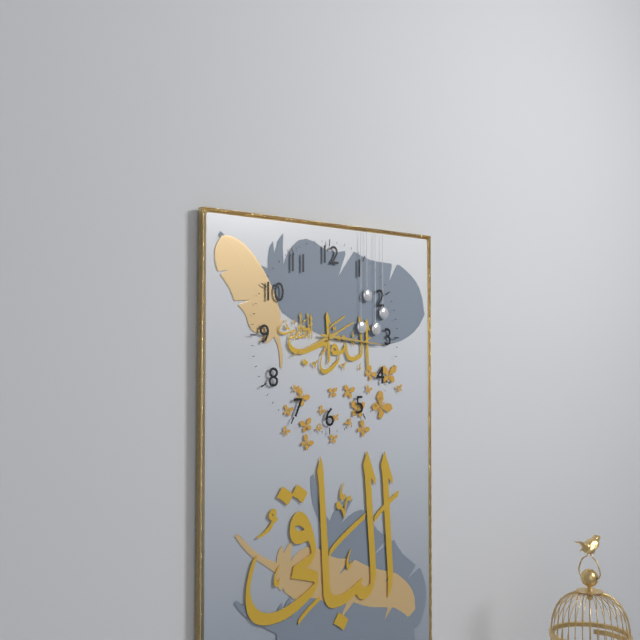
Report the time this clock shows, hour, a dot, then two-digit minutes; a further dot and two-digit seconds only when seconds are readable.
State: 8.16
